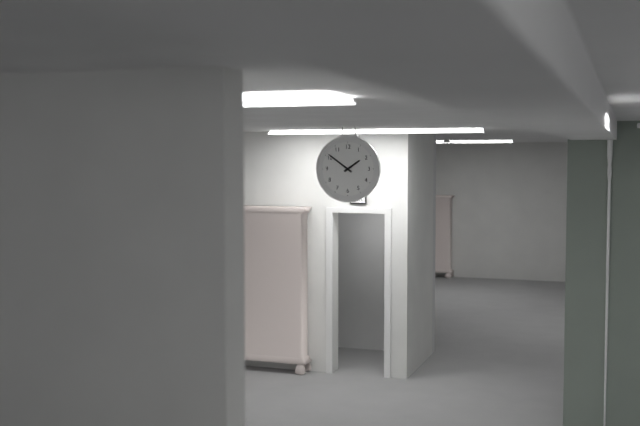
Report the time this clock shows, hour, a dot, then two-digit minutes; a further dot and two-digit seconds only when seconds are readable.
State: 1.51
